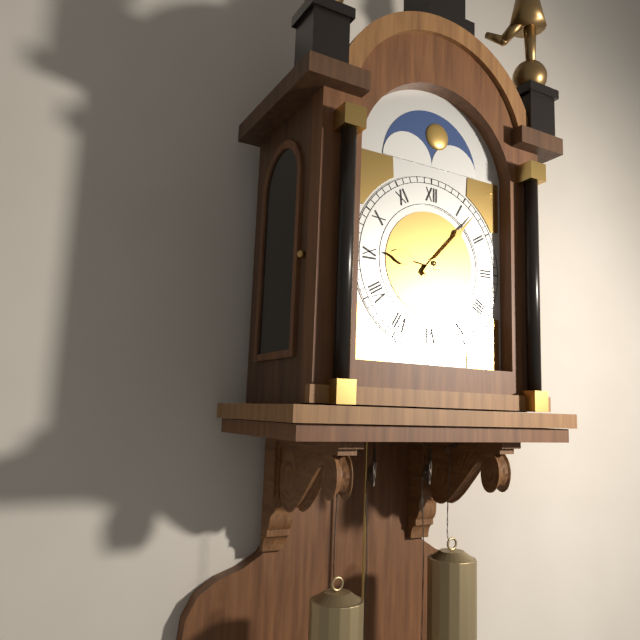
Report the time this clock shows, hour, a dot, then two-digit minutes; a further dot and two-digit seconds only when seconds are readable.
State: 9.07
